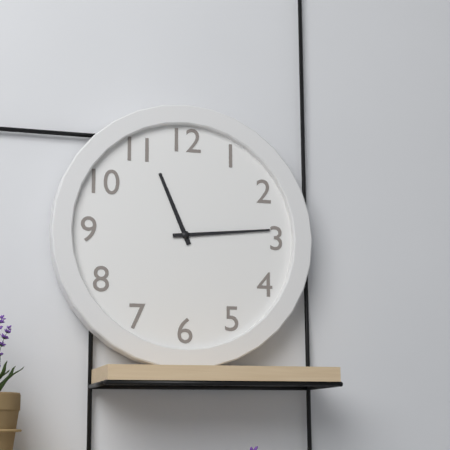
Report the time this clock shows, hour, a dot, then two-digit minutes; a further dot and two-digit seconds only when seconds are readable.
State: 11.14
